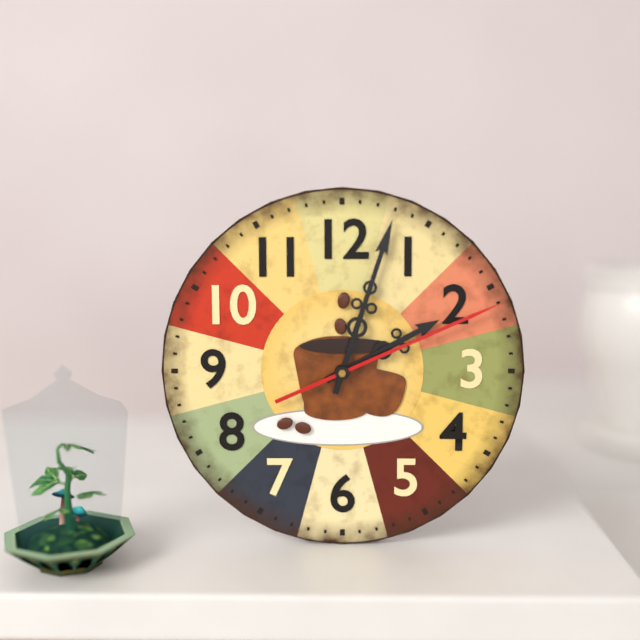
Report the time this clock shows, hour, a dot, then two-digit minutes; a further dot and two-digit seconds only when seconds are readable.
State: 2.03.11
